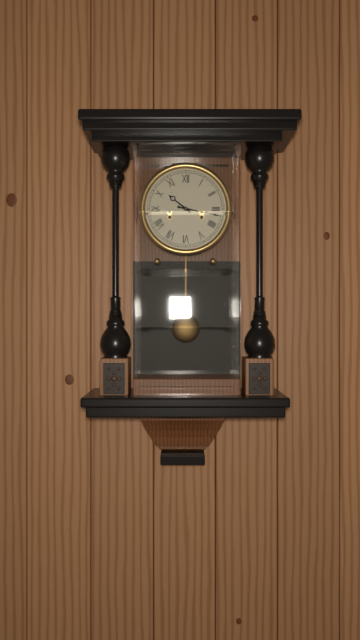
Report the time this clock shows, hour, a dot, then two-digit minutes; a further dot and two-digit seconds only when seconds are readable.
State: 10.17
